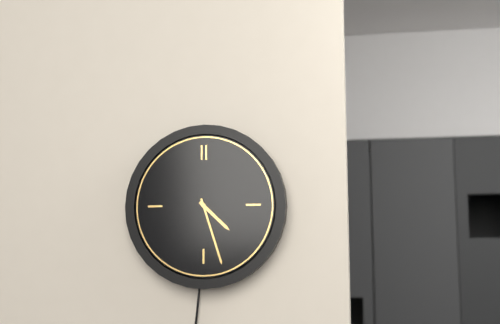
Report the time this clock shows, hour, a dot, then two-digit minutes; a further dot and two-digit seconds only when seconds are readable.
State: 4.27
